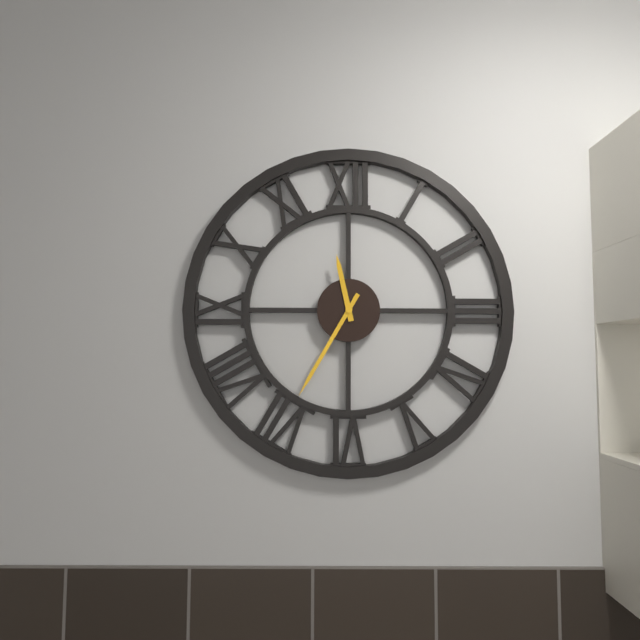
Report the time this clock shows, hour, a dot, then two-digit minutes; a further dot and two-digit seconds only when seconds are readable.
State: 11.35
